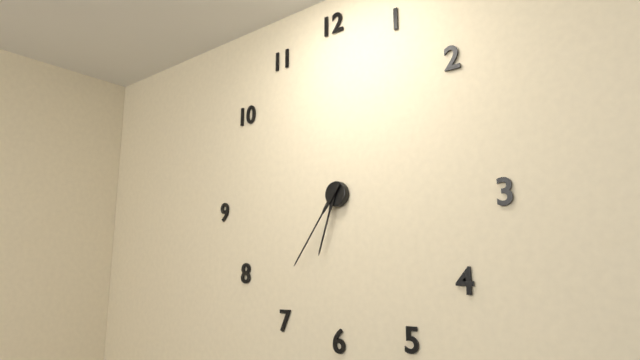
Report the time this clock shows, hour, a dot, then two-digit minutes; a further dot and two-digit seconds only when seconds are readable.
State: 6.36
